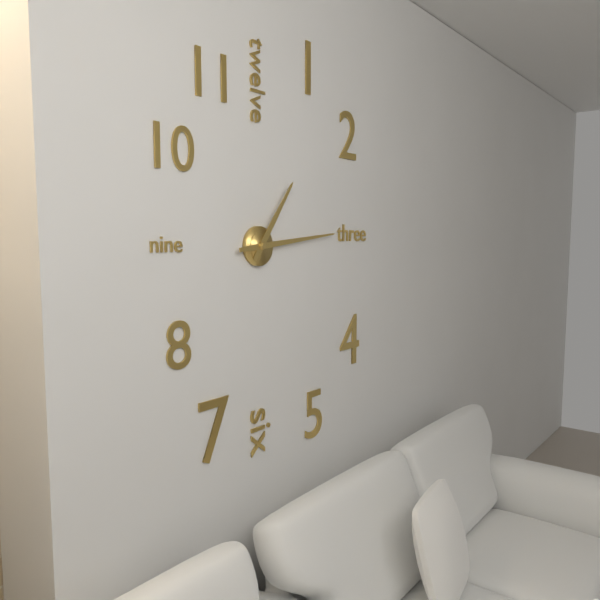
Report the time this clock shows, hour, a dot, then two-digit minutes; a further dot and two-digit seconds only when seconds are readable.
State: 1.14
